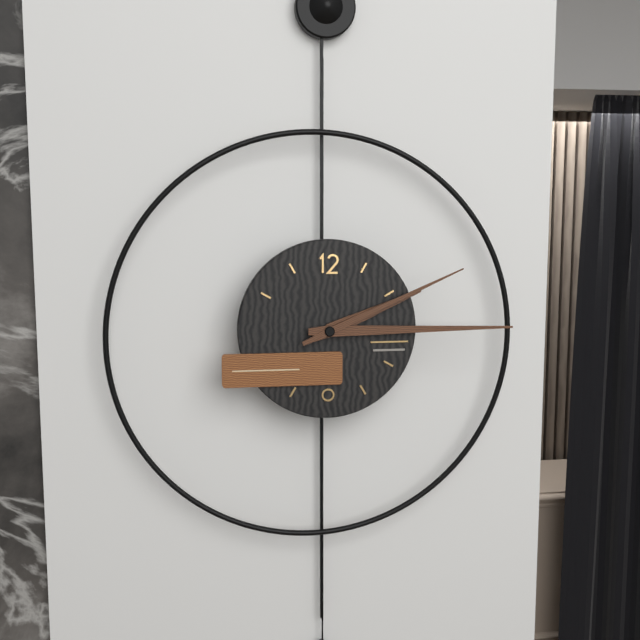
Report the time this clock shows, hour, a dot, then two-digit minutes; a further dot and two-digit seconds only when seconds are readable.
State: 2.15.11
